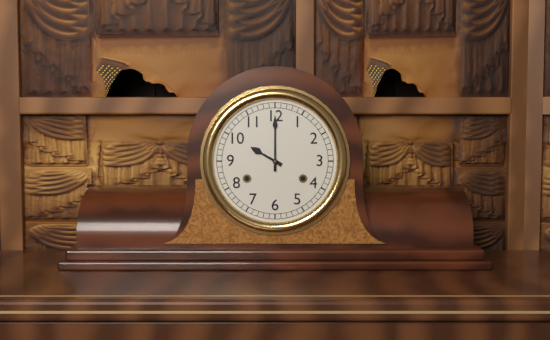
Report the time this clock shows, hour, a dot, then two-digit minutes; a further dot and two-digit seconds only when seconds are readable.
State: 10.00
